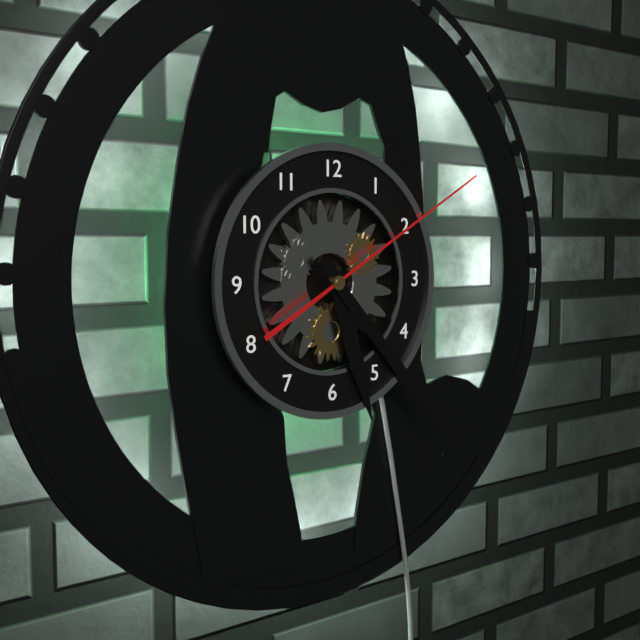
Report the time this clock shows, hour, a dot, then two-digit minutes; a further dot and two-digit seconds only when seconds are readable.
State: 5.23.10
